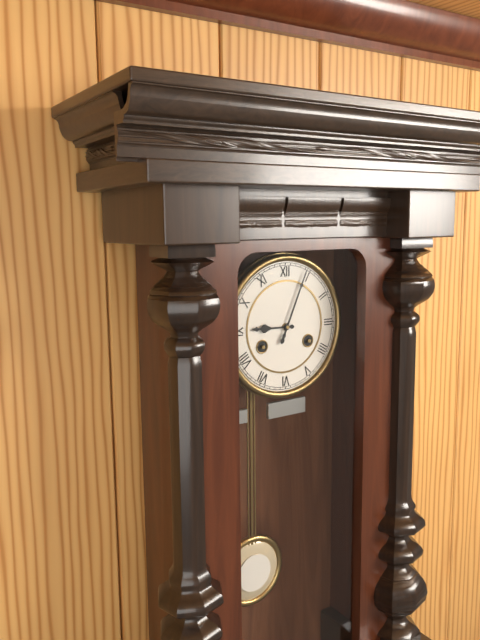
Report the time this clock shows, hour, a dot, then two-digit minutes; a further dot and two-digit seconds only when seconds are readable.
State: 9.04
